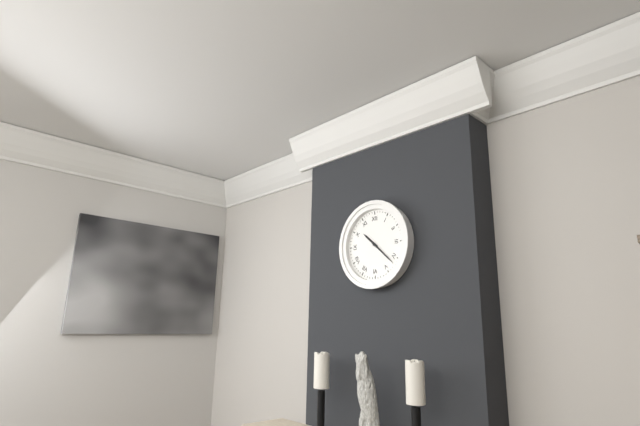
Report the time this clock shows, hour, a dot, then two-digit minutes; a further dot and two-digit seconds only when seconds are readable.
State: 10.22
